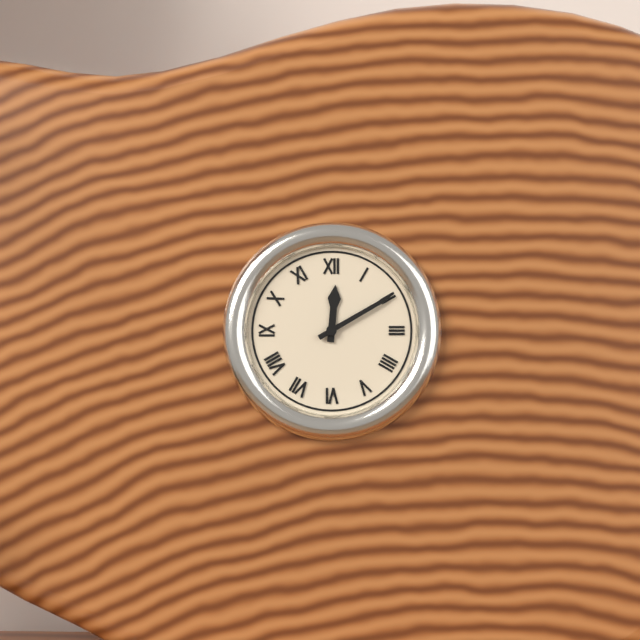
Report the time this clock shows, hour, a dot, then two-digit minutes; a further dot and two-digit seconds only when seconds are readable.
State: 12.10
